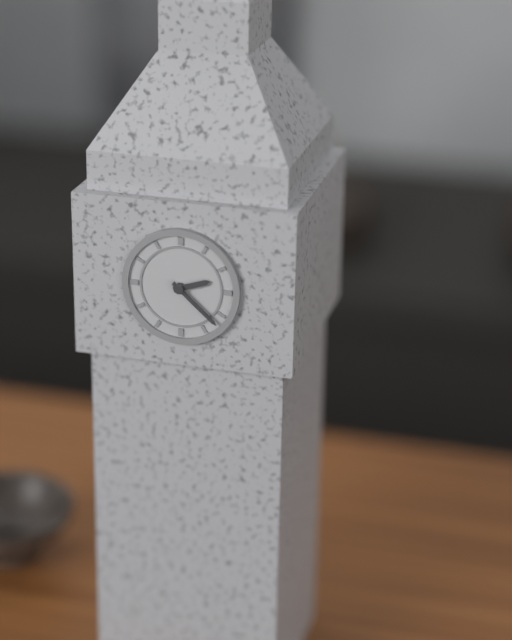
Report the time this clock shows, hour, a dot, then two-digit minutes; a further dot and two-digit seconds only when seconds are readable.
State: 2.22
